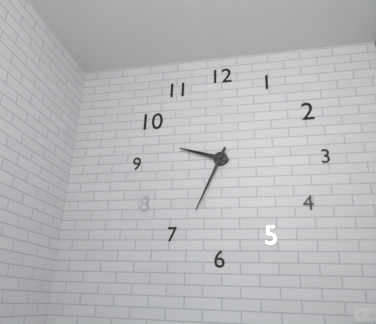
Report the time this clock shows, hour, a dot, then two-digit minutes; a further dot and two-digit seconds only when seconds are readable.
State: 9.34
